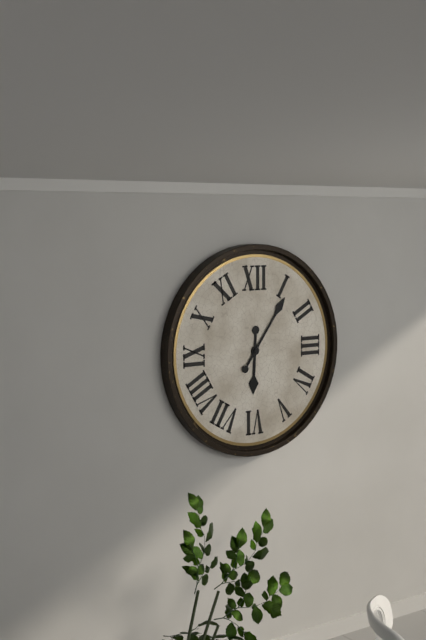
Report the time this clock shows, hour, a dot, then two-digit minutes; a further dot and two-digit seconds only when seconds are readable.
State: 6.06
